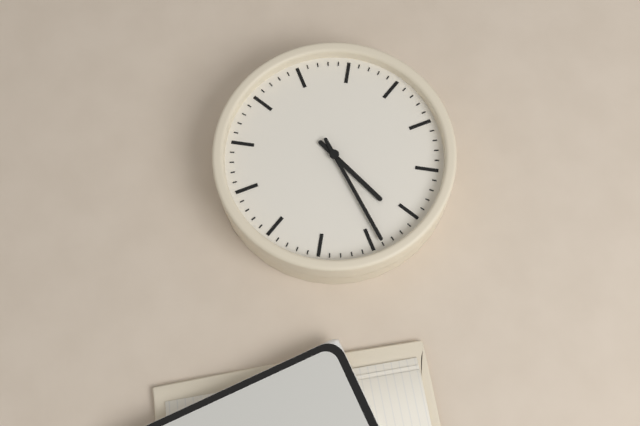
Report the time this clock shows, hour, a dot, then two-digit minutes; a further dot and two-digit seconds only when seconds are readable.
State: 2.14
